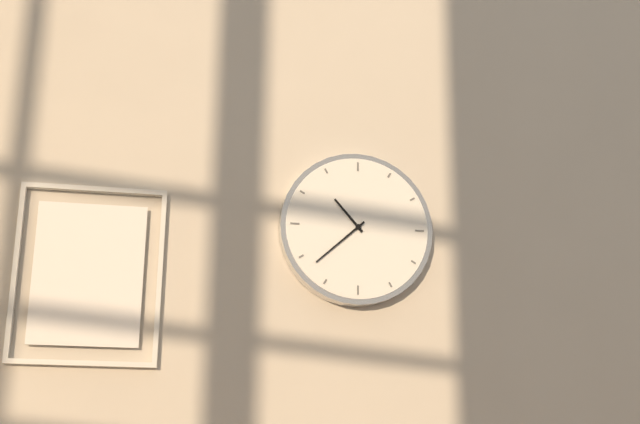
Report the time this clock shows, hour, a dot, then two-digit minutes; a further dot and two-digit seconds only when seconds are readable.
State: 10.38
